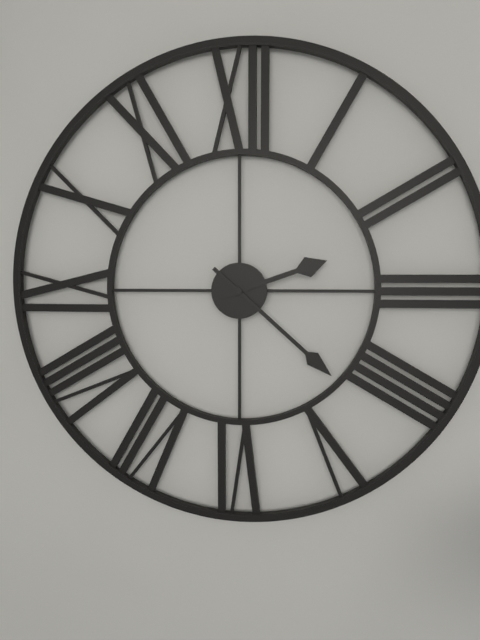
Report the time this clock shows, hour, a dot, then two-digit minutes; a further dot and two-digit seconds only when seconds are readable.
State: 2.22
